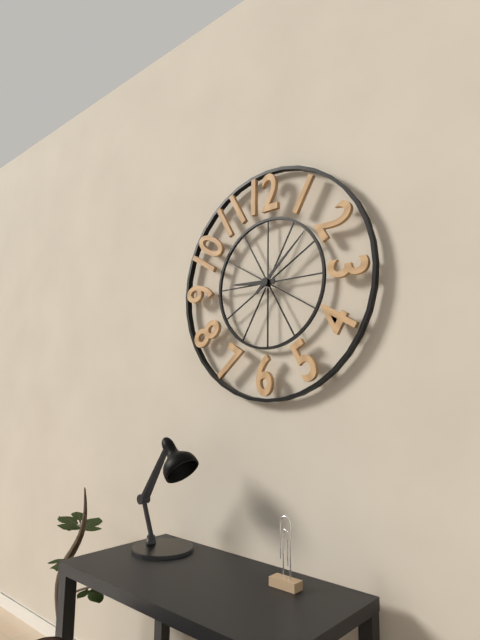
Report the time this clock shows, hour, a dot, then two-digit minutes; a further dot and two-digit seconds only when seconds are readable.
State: 9.08
